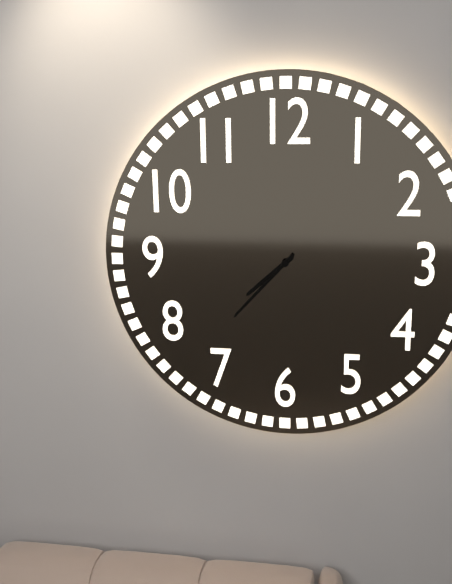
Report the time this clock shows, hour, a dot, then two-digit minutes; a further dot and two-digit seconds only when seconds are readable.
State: 7.37
